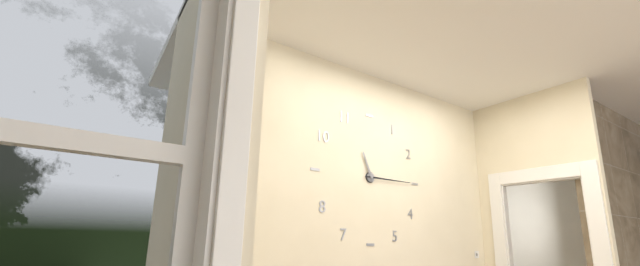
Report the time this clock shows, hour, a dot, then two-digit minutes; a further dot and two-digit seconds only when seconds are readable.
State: 11.15
